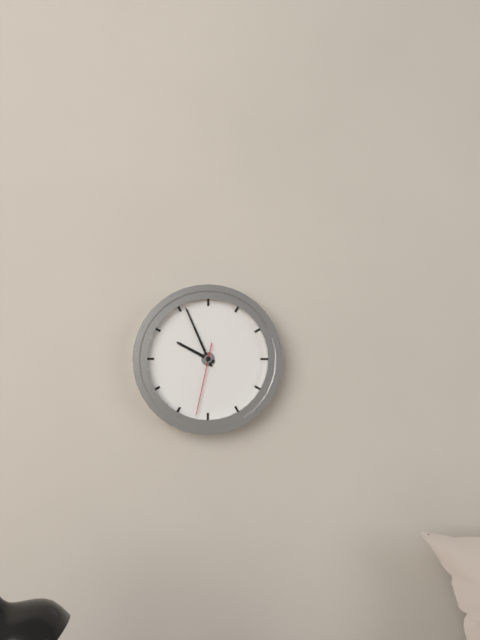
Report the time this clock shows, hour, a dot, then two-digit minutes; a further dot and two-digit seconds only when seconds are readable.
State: 9.56.32
